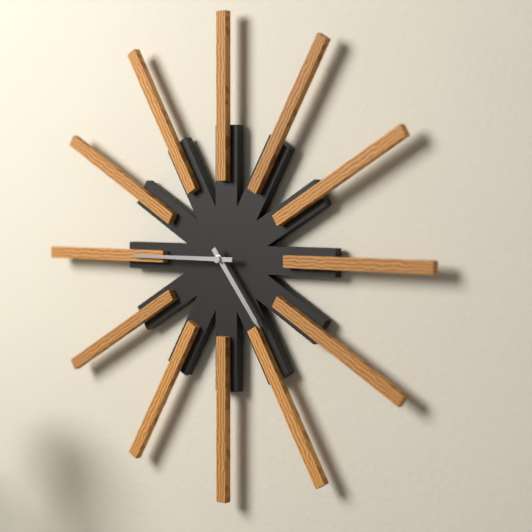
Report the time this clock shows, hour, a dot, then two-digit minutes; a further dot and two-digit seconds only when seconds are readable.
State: 4.45
